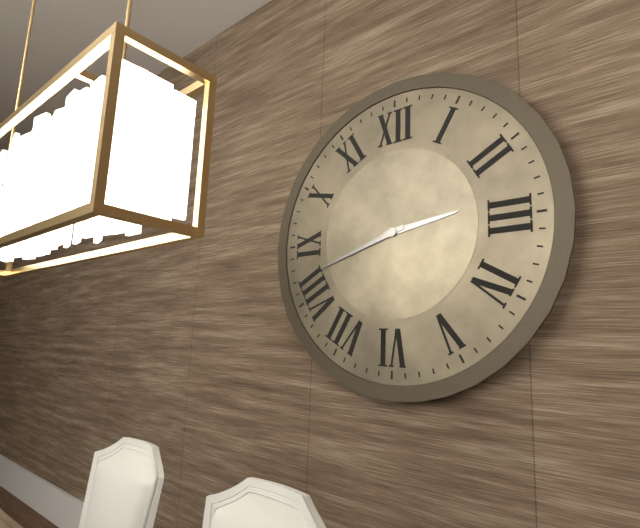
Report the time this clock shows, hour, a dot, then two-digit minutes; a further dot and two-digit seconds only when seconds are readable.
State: 2.42
